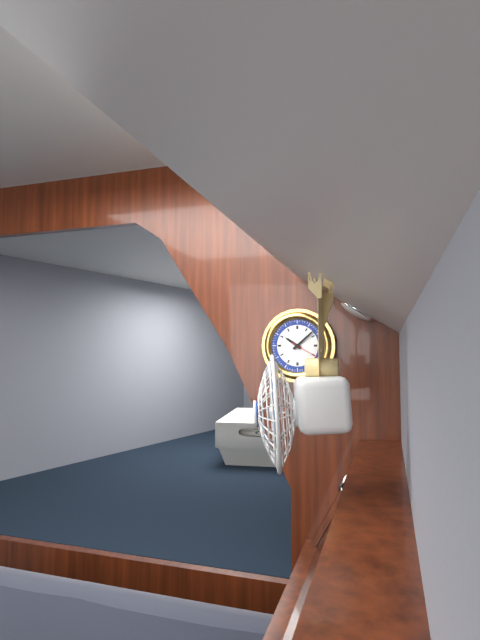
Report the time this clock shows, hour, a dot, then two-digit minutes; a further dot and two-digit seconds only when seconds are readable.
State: 10.08
